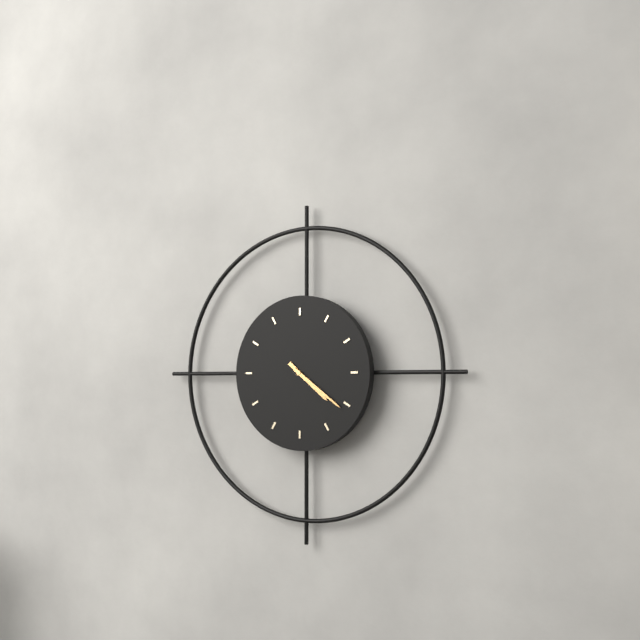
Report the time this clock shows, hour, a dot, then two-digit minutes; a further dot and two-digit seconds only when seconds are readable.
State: 4.21
